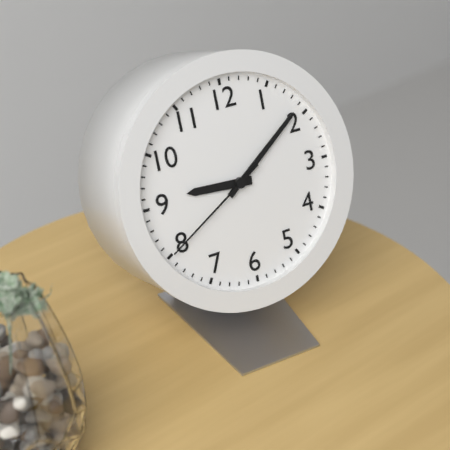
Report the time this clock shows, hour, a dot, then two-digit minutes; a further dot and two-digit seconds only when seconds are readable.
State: 9.09.40
